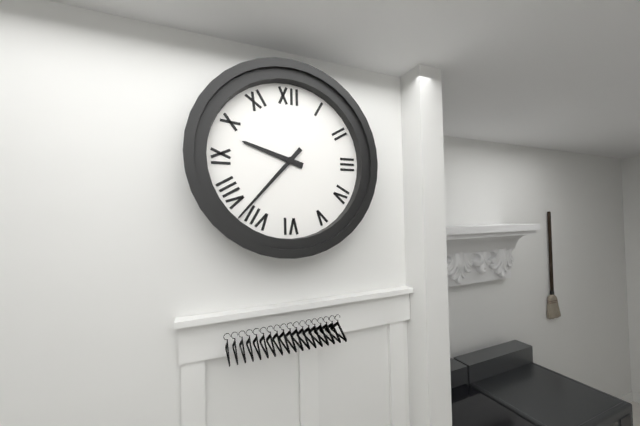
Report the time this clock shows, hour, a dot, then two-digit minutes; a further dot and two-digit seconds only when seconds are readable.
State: 9.37
